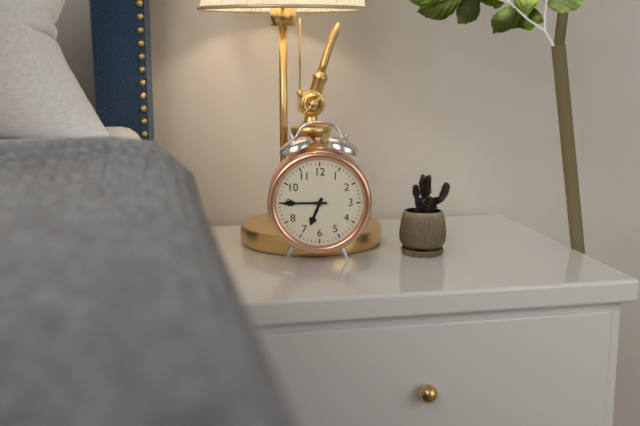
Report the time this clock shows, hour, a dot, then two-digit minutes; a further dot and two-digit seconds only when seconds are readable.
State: 6.45
